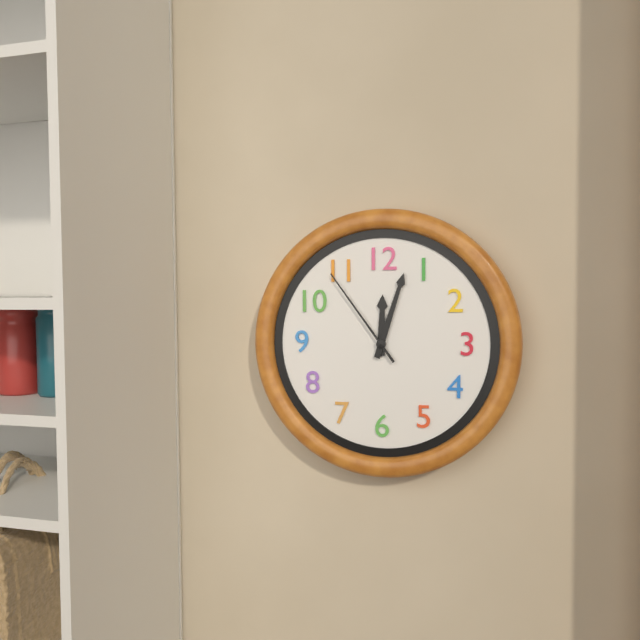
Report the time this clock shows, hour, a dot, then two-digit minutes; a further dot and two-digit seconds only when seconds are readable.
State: 12.03.54
